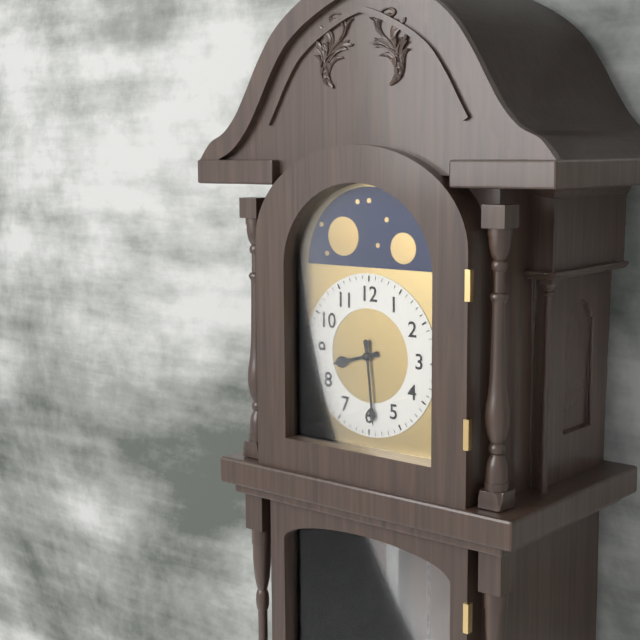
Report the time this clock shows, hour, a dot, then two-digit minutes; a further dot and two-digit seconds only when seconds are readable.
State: 8.29
